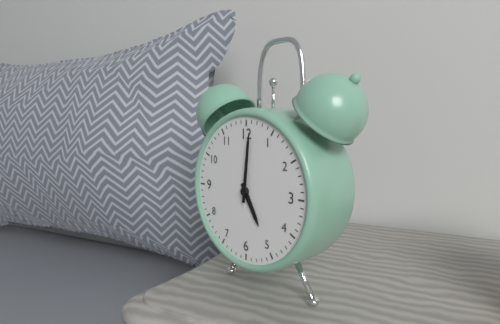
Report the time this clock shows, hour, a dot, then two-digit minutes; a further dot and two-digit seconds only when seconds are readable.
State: 5.01
